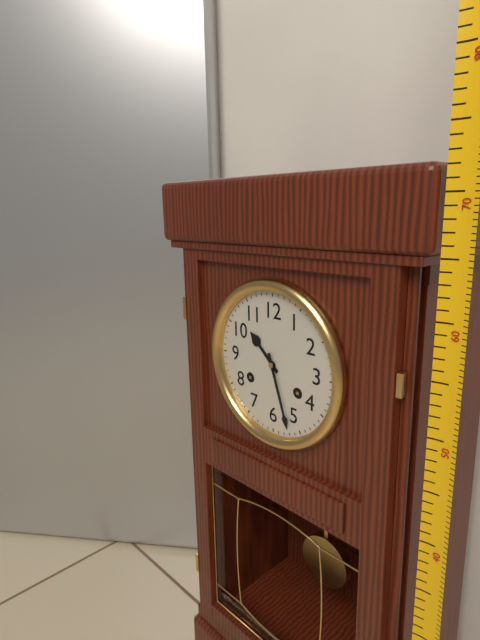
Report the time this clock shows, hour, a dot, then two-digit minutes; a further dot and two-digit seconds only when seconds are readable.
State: 10.27
